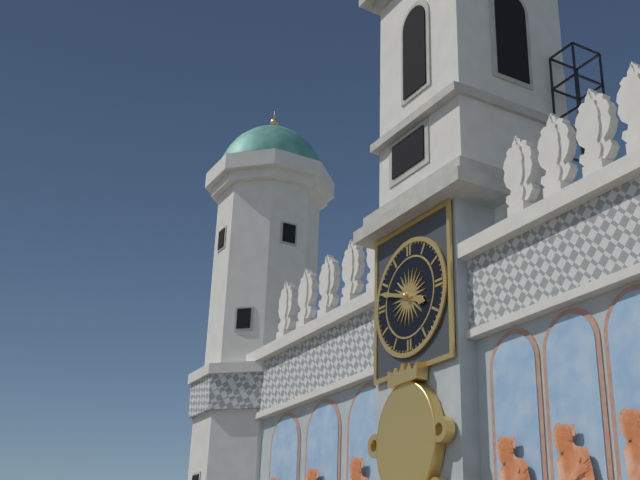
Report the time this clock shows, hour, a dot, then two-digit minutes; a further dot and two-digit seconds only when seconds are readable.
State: 3.48
